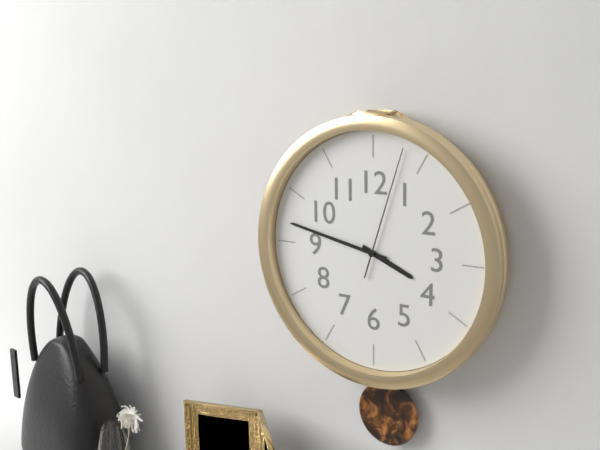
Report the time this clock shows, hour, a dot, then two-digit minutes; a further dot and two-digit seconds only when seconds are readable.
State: 3.47.03
